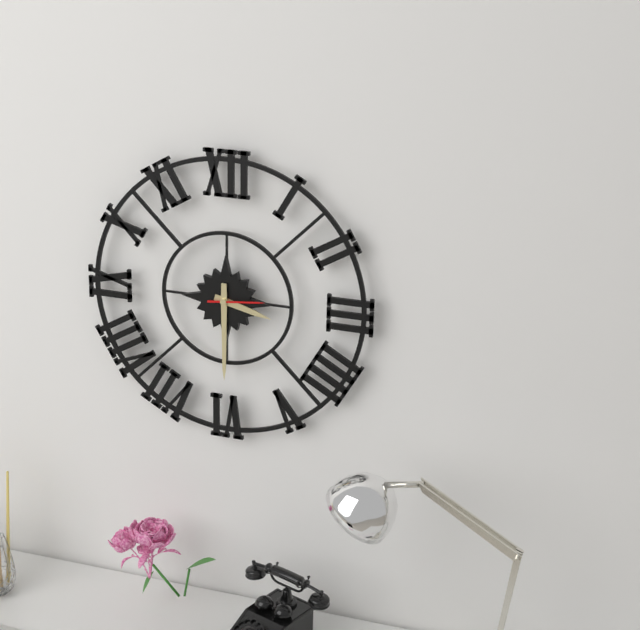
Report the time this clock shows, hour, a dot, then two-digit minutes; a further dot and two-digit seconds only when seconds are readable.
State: 3.30
